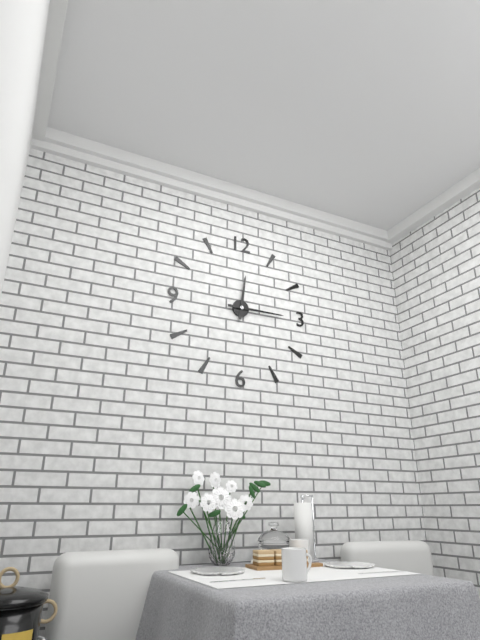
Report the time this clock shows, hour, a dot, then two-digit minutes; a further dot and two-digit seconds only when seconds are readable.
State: 12.15
